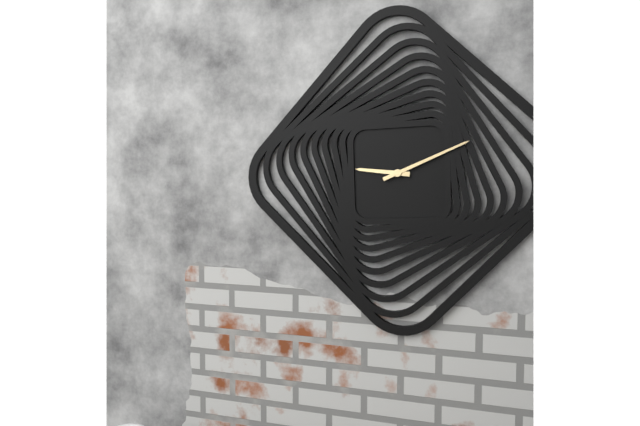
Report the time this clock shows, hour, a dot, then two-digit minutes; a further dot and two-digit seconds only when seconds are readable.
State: 9.11
